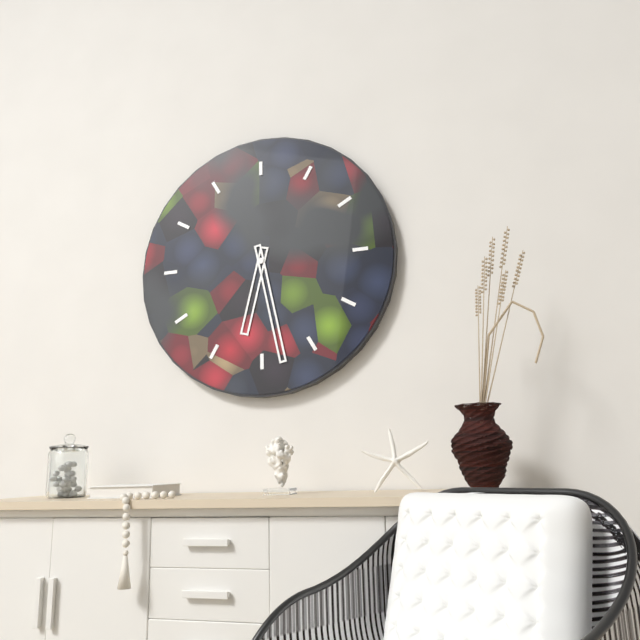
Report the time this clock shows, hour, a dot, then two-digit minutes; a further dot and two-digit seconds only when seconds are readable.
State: 6.28
